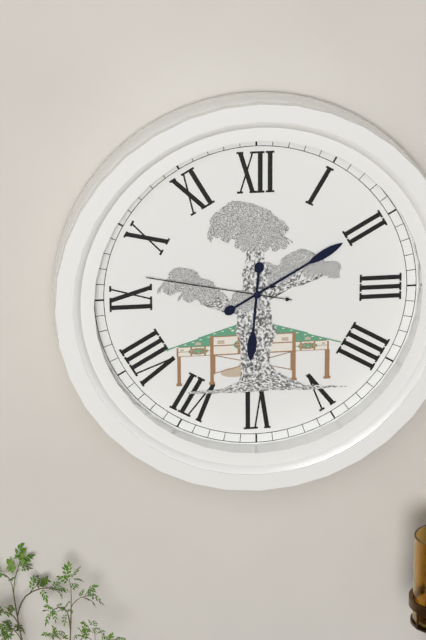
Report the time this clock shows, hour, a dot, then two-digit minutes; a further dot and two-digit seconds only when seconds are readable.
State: 6.10.47
